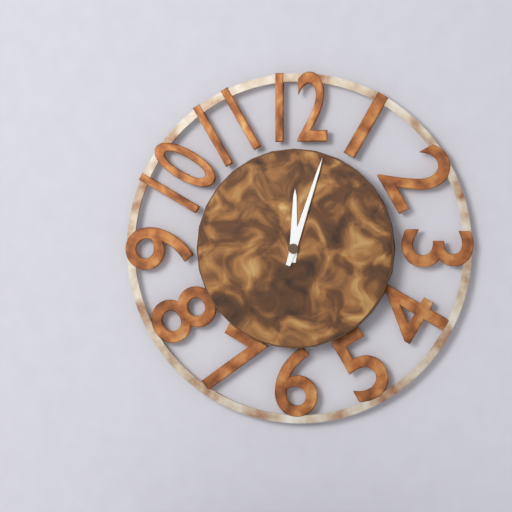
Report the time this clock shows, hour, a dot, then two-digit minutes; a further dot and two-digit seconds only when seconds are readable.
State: 12.03
